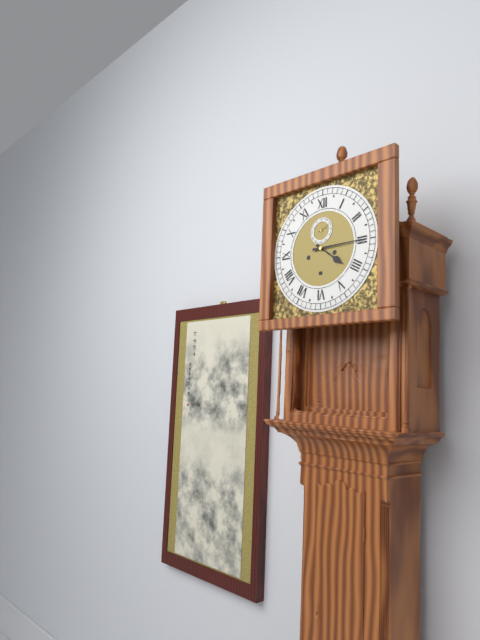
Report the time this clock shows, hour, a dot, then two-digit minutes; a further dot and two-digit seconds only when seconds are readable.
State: 4.15
